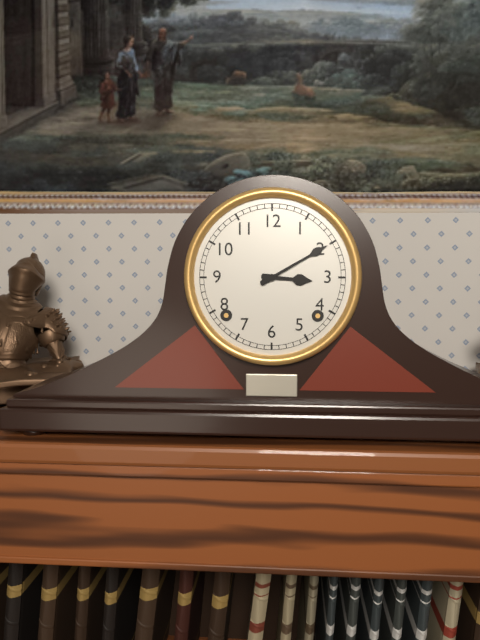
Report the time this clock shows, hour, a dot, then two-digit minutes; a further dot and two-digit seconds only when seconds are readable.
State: 3.10
